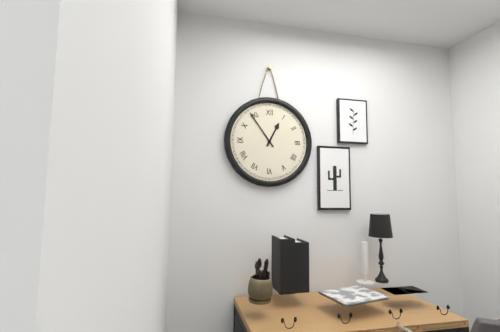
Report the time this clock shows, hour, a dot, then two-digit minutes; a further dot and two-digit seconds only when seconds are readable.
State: 12.54
